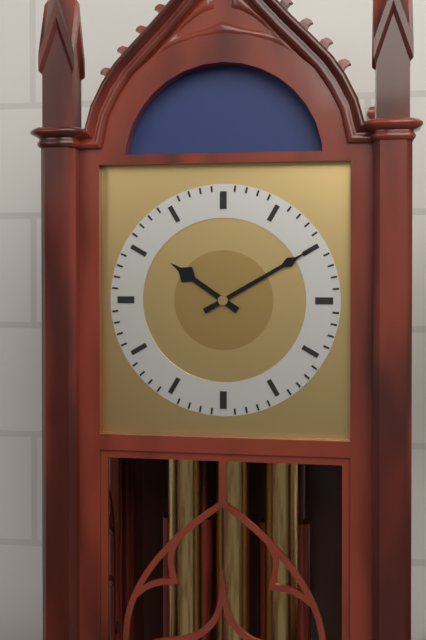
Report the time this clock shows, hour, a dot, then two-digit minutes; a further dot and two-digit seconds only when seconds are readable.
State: 10.10
